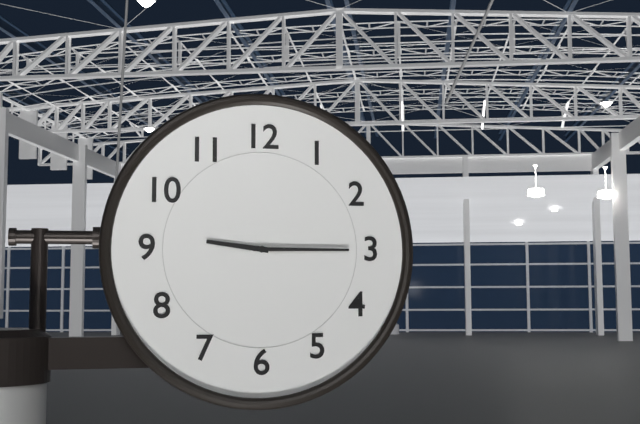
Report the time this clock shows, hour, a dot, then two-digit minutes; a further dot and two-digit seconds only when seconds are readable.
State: 9.15
